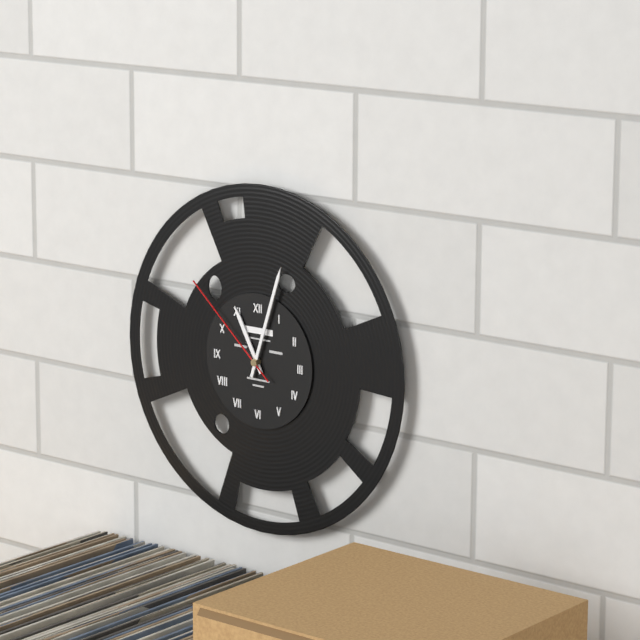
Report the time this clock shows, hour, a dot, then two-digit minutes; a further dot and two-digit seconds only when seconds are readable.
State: 11.03.52
